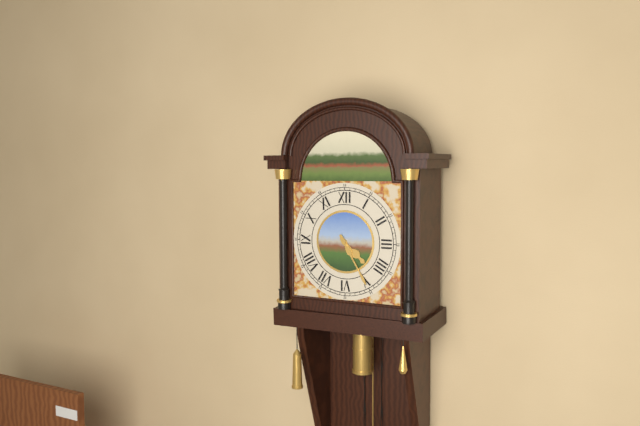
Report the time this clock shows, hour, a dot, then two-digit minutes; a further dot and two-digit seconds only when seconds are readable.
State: 4.25
